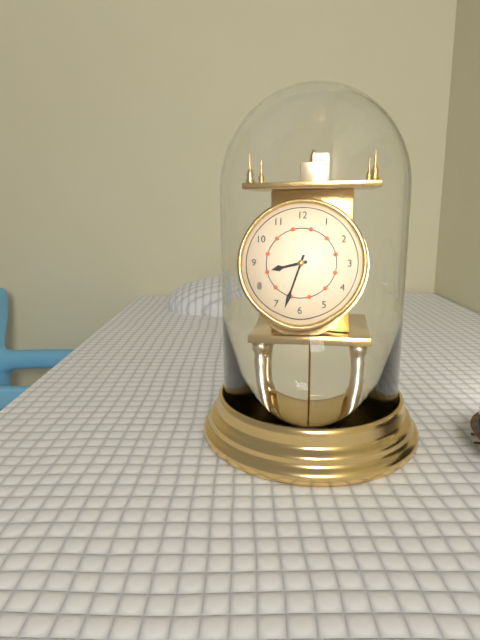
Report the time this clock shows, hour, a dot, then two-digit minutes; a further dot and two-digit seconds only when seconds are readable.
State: 8.33
